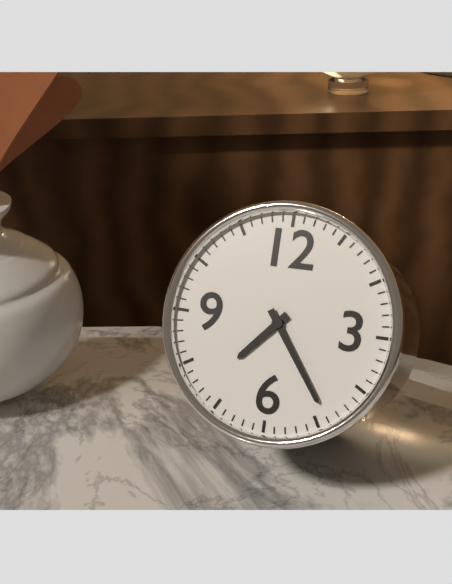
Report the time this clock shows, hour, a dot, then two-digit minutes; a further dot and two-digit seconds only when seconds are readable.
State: 7.24
